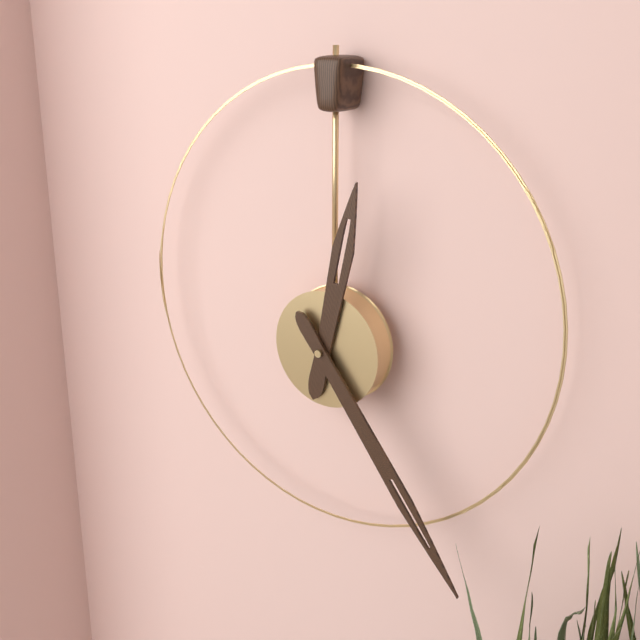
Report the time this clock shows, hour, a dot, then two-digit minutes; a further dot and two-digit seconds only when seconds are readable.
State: 12.24
